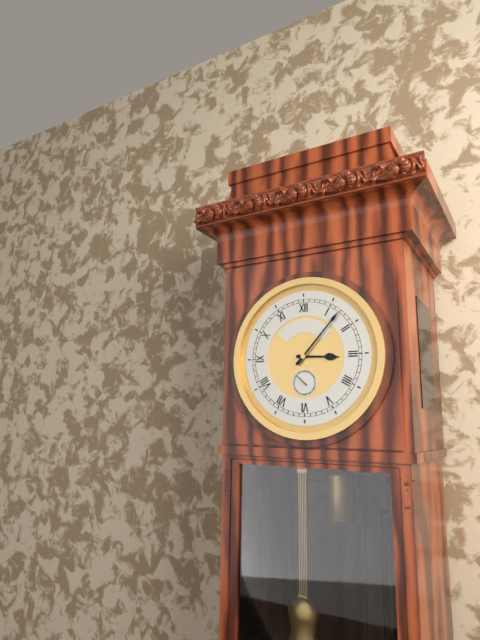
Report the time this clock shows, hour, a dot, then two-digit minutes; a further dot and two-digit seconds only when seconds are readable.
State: 3.07
